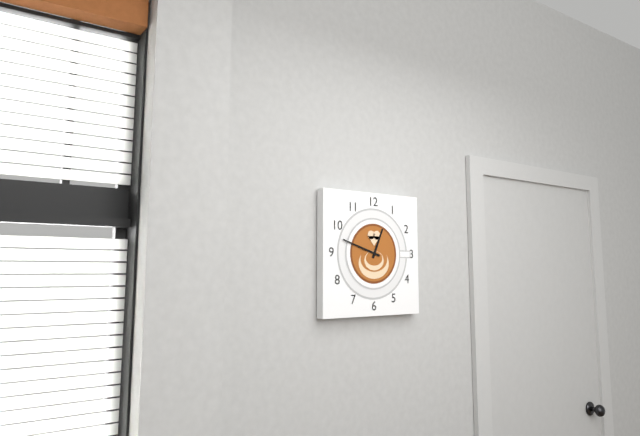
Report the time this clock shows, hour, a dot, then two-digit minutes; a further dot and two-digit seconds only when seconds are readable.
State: 12.48
